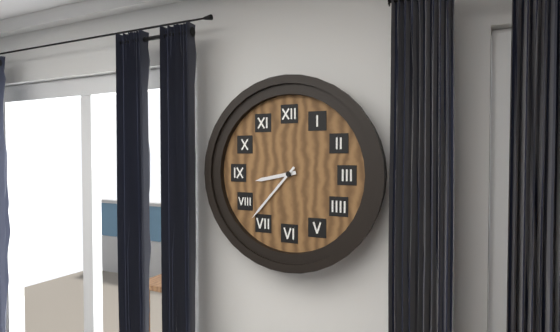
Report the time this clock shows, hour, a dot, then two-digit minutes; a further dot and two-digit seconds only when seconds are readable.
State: 8.37
